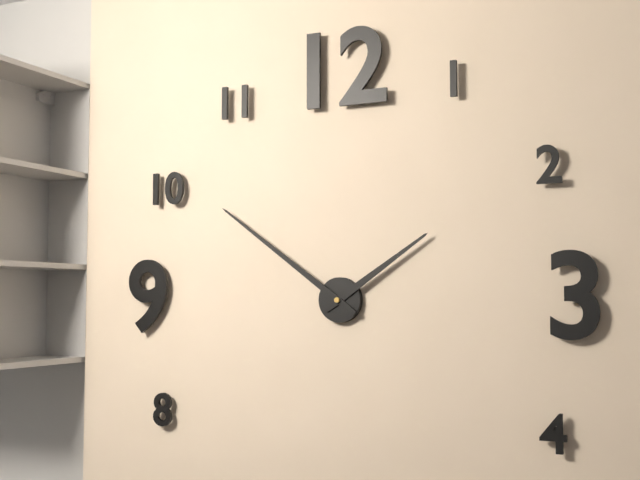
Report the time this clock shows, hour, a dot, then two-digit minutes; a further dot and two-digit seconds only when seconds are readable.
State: 1.51
